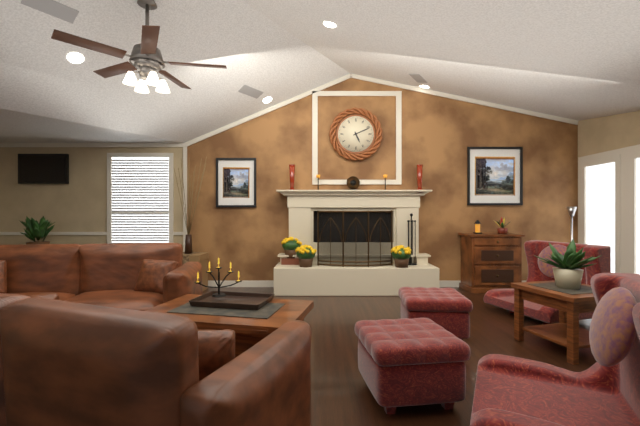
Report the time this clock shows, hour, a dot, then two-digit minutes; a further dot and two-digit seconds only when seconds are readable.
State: 5.11
